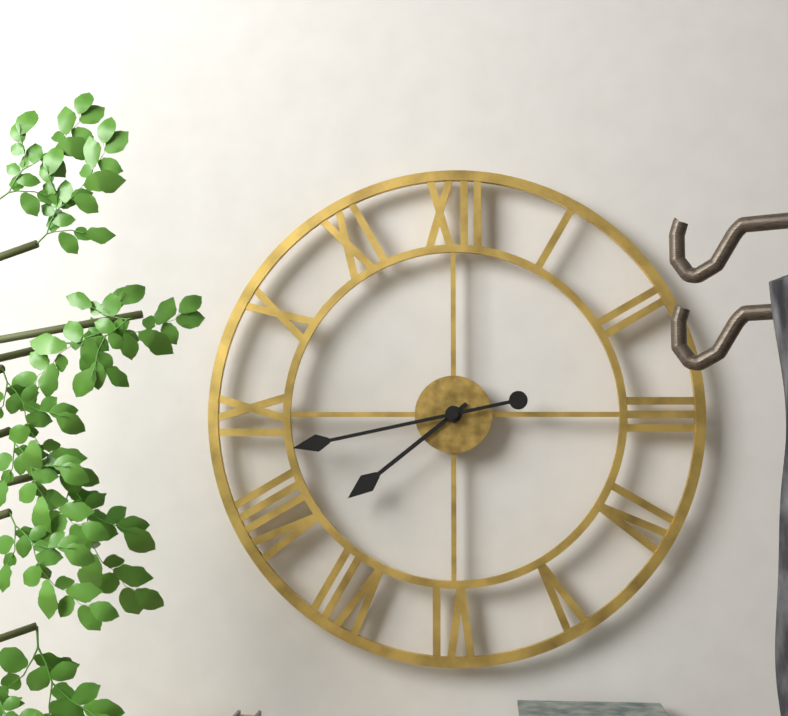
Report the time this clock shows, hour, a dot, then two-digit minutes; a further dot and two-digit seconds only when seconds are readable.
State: 7.43
